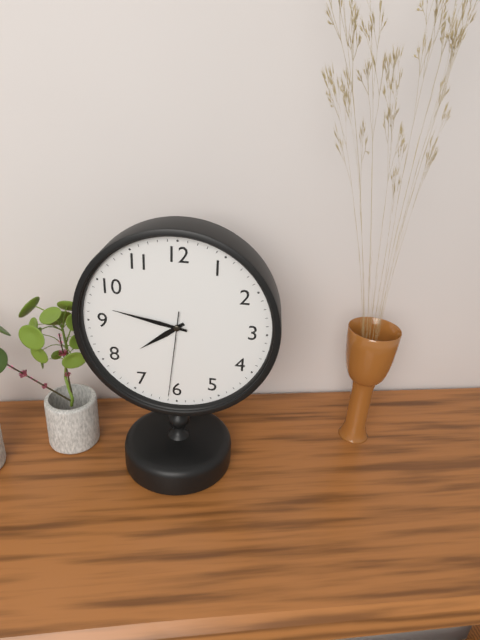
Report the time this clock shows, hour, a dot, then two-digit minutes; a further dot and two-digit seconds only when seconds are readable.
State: 7.47.31
